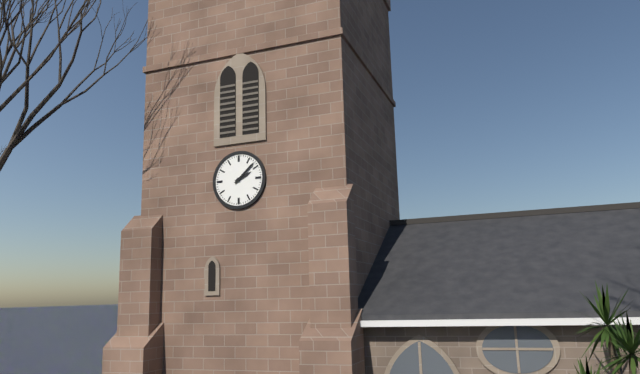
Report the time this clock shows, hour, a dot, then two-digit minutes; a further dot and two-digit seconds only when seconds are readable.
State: 2.08
